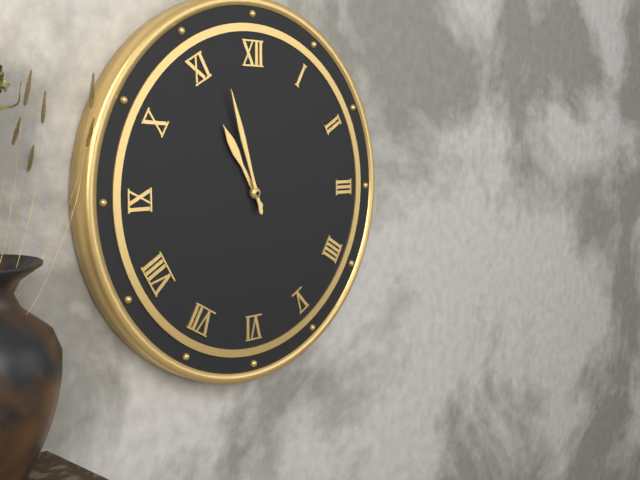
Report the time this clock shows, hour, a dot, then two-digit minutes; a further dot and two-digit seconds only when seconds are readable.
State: 10.57
